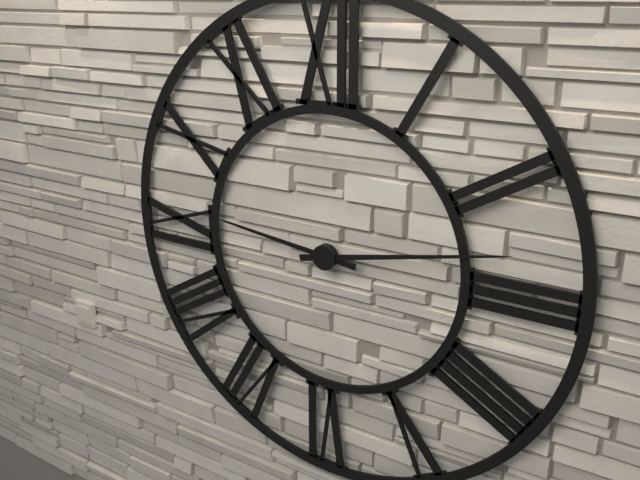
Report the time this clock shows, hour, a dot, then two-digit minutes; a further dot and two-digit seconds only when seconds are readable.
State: 9.13
